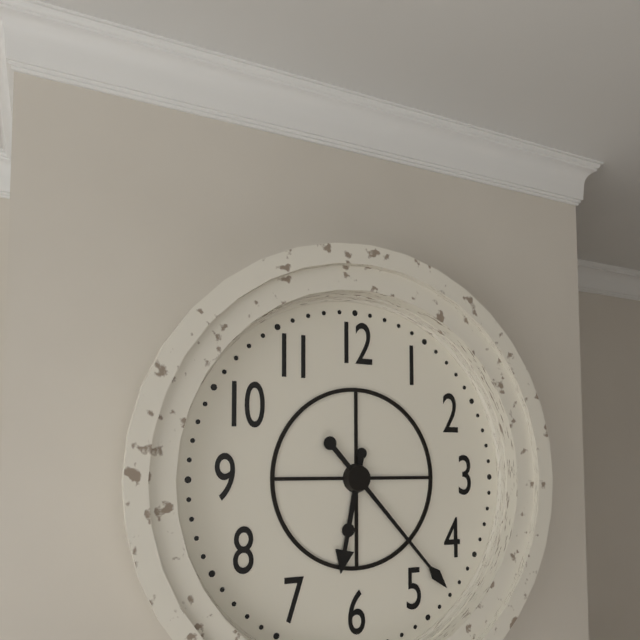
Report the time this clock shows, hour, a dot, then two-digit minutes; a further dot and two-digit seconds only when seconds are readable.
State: 6.23
